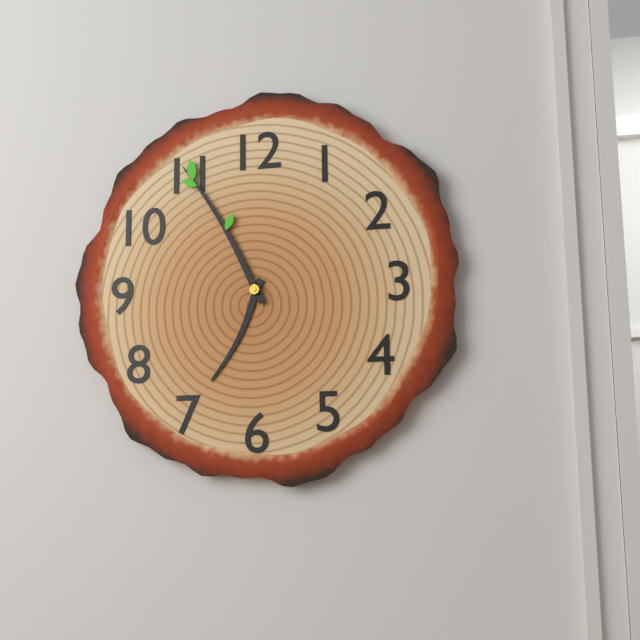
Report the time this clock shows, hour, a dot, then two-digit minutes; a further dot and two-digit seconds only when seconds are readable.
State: 6.55
